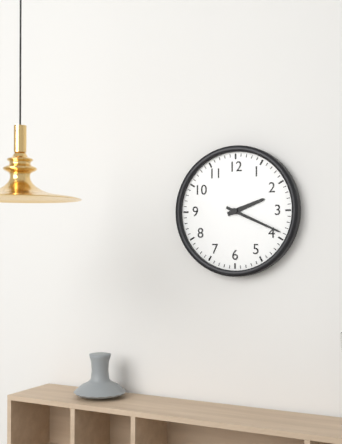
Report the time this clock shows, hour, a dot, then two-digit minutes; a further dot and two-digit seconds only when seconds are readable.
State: 2.19
